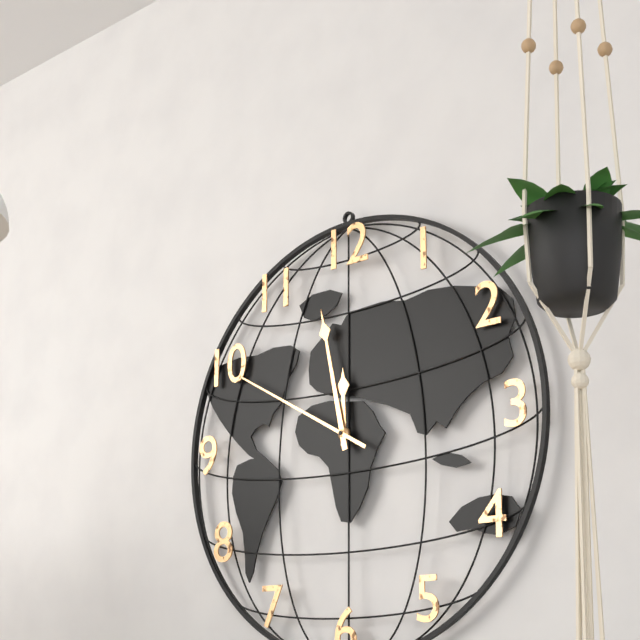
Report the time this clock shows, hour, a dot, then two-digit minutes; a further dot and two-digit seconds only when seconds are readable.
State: 11.58.50
